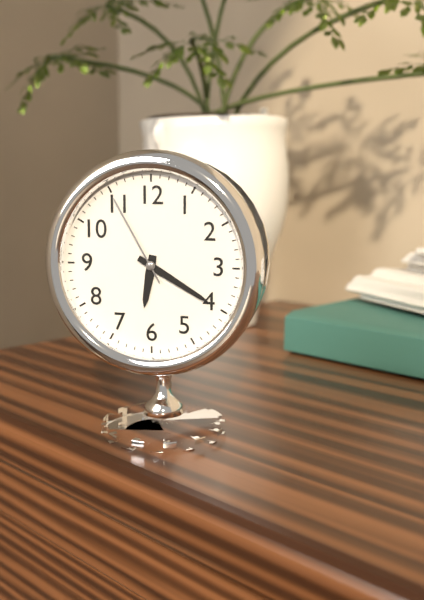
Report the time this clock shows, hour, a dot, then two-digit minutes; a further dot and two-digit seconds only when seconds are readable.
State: 6.20.55
